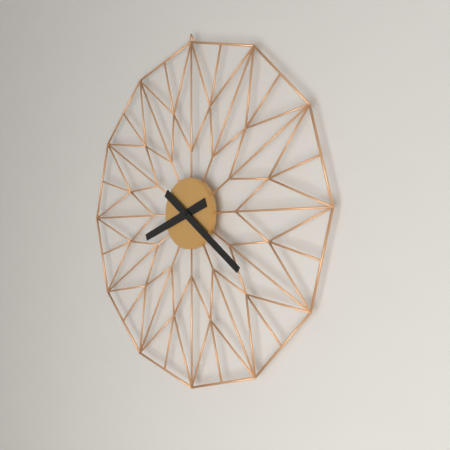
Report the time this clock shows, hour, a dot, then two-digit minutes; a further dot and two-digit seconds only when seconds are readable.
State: 8.21
